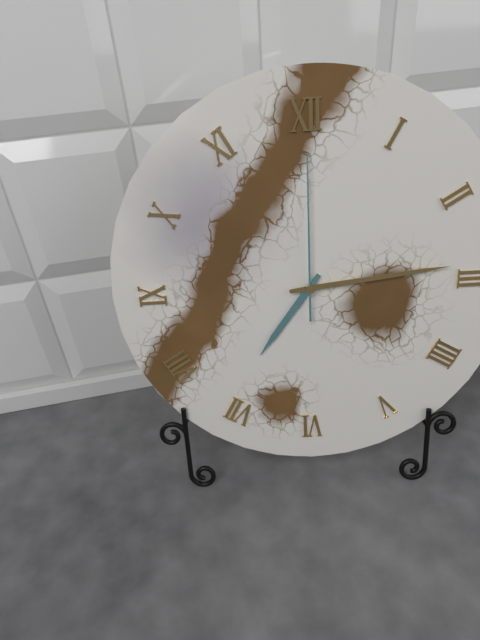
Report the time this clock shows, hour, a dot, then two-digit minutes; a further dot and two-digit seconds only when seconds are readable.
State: 7.14.00
